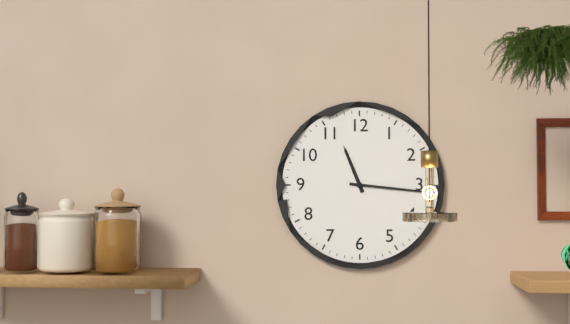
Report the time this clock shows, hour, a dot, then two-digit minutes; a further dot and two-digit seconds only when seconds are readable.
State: 11.16
